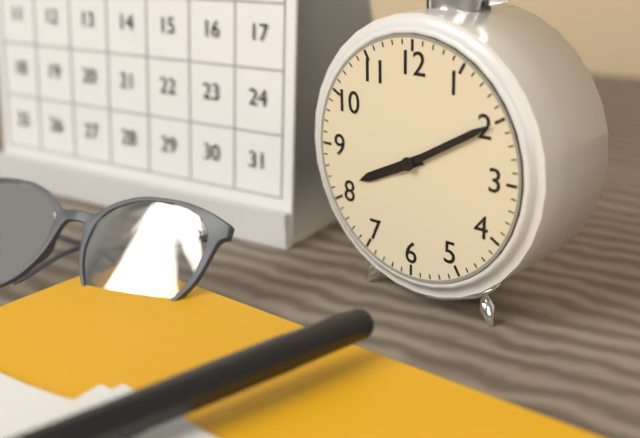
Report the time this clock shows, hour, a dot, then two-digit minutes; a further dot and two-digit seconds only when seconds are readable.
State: 8.10
